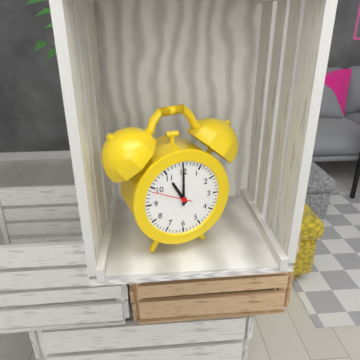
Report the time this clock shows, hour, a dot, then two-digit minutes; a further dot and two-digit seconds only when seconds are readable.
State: 11.00
